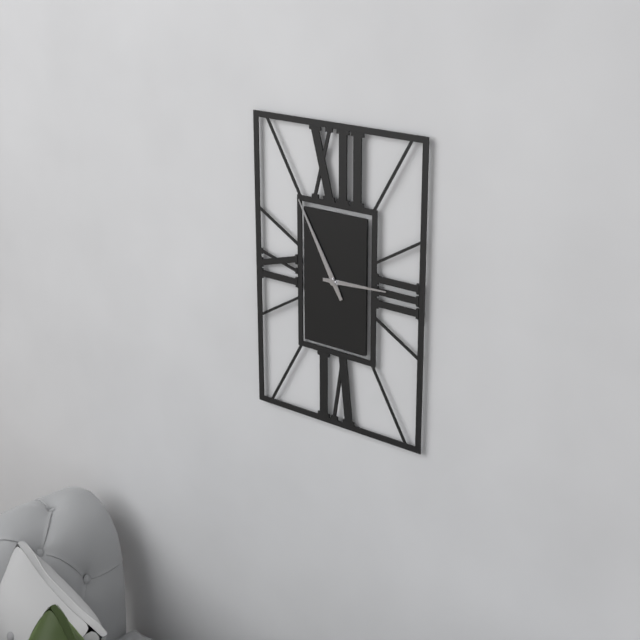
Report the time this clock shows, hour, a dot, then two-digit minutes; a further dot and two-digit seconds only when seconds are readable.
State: 2.55
